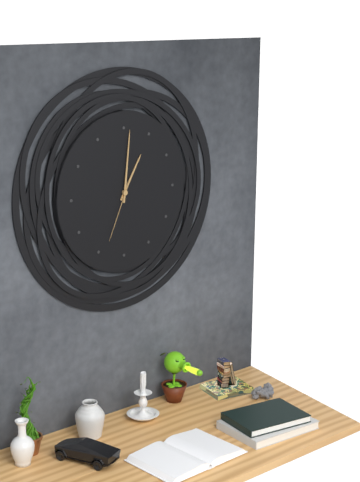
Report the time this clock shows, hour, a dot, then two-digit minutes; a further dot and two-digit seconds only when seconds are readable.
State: 1.01.34
